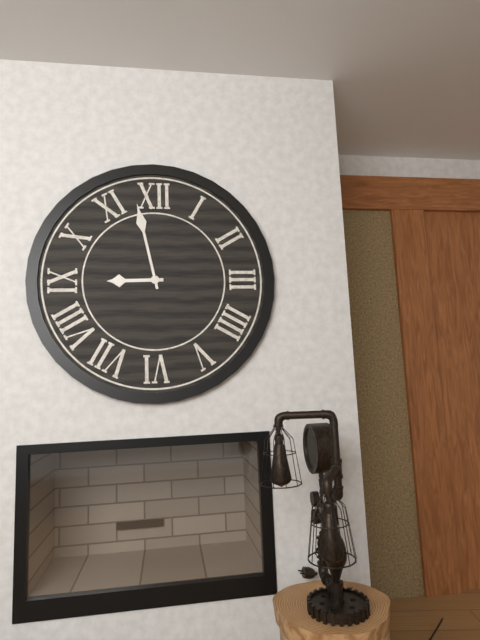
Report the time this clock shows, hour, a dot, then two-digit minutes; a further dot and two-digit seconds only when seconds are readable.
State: 8.58
